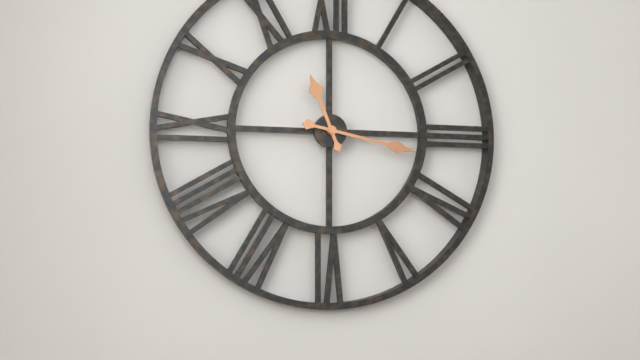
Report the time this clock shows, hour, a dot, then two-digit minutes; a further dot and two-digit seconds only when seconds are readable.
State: 11.17
